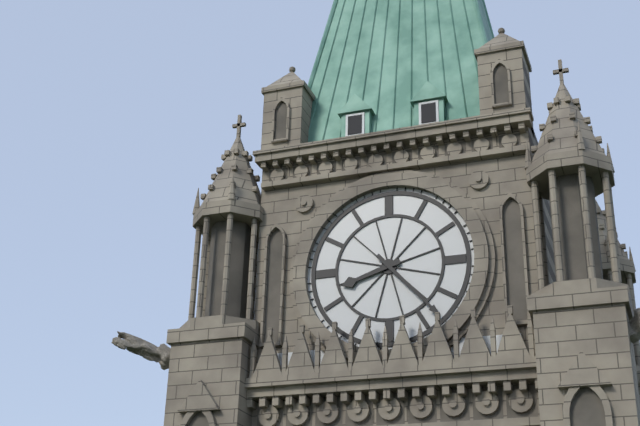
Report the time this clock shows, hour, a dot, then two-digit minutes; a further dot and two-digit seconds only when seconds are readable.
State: 8.23
